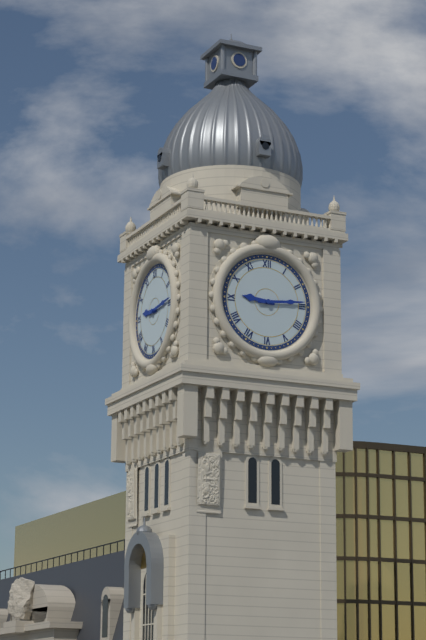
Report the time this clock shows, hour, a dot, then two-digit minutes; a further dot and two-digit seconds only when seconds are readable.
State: 9.14
